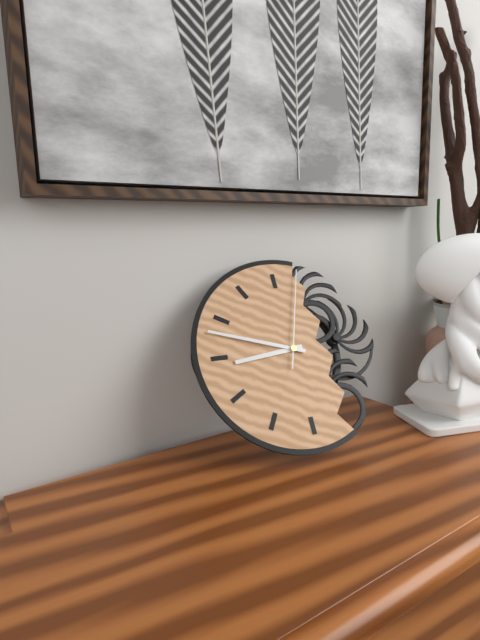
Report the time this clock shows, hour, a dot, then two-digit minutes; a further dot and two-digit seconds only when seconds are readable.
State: 8.48.03
